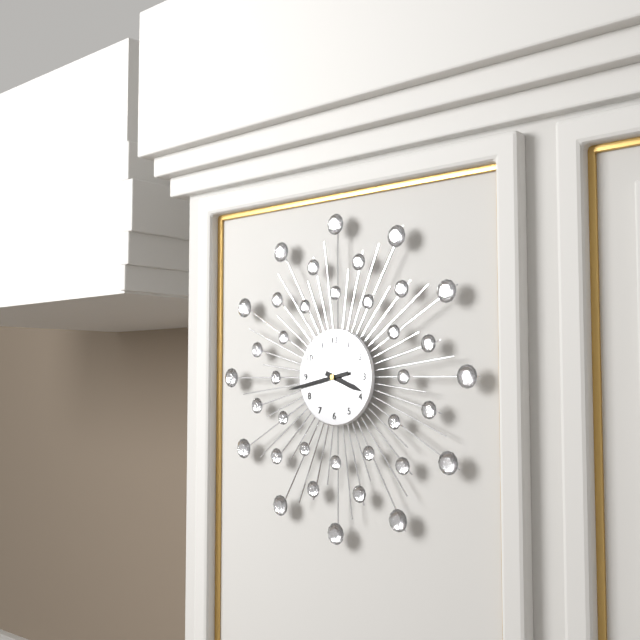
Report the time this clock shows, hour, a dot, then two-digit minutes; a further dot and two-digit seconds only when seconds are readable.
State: 3.43
